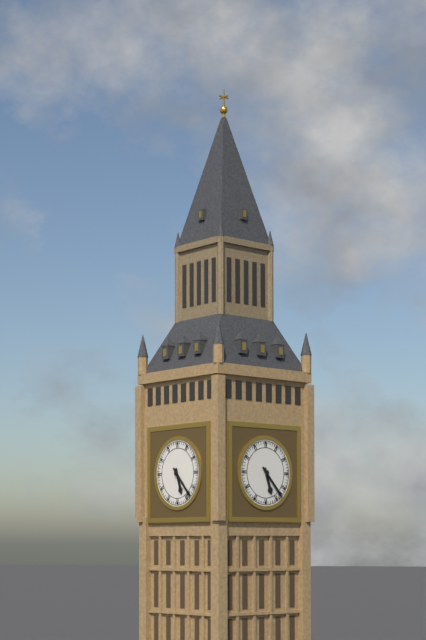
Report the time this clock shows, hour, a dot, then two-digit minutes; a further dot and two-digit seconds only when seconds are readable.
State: 5.23
